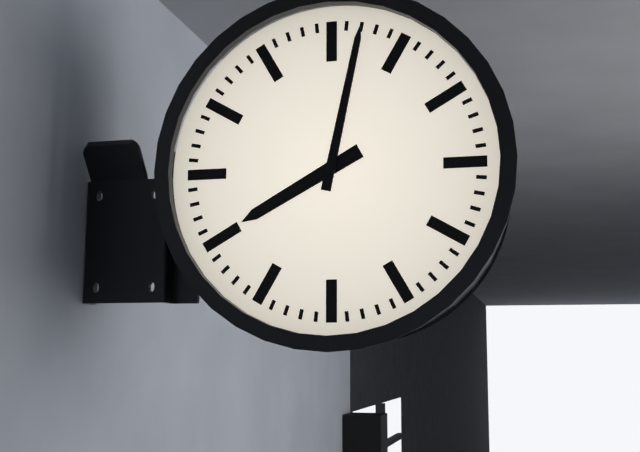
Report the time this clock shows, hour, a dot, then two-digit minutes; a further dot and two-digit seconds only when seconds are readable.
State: 8.02
